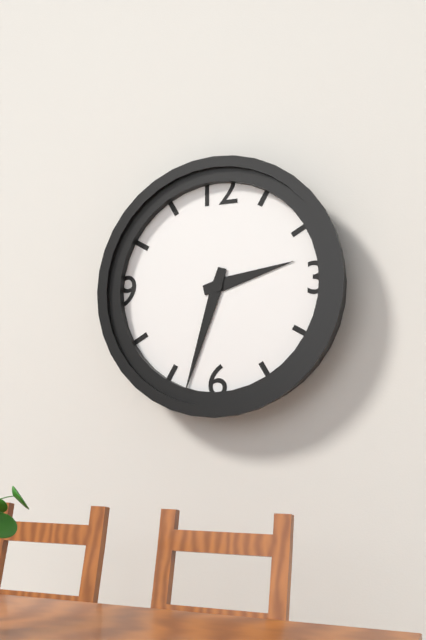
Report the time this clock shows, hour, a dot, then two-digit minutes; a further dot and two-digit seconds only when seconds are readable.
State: 2.33
